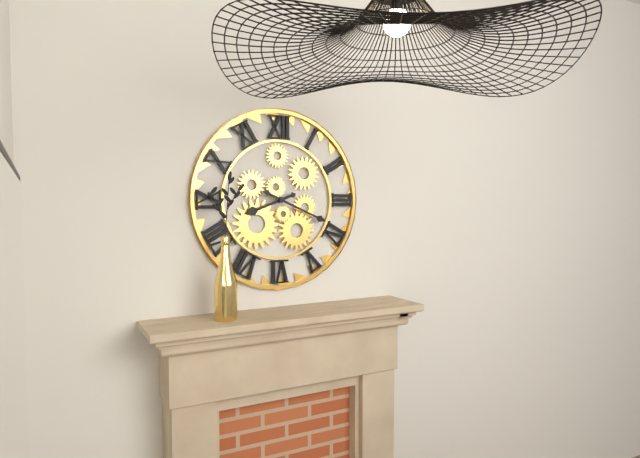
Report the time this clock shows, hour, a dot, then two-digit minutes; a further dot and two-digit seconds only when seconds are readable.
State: 8.19
